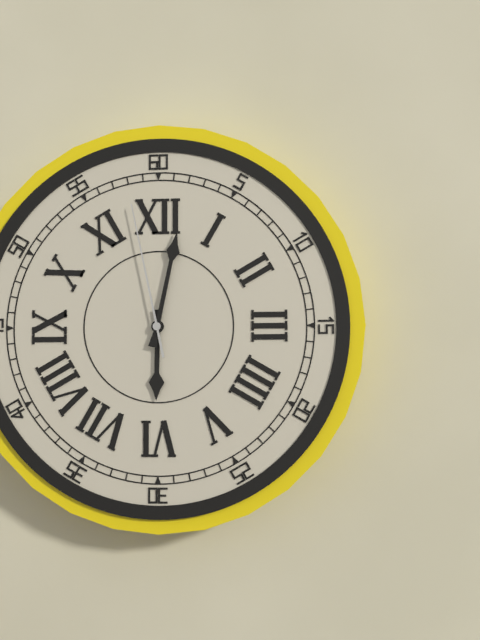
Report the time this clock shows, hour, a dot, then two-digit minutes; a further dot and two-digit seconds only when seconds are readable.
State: 6.02.58
